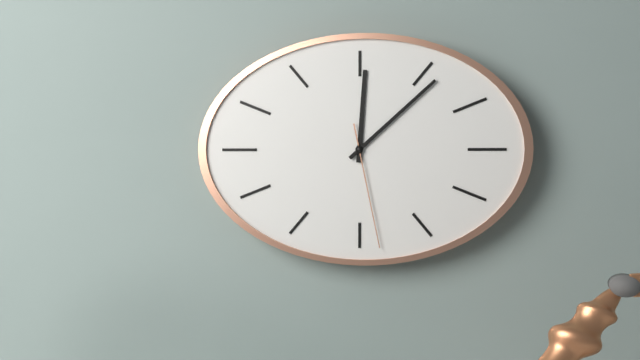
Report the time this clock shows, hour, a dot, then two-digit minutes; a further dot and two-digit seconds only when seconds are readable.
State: 12.08.28
